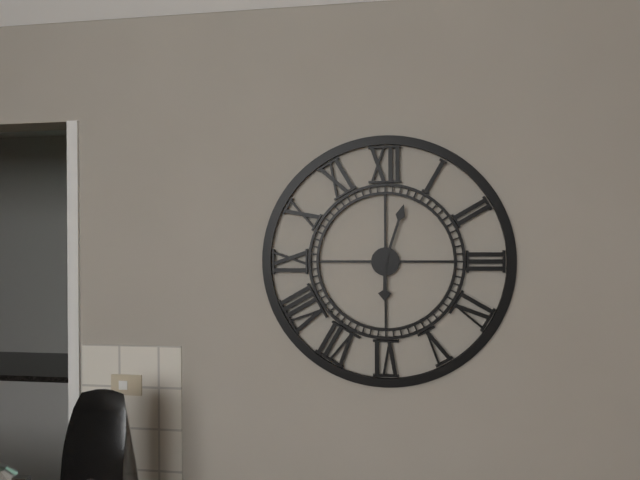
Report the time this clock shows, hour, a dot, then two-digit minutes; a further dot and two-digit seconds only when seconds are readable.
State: 6.03
